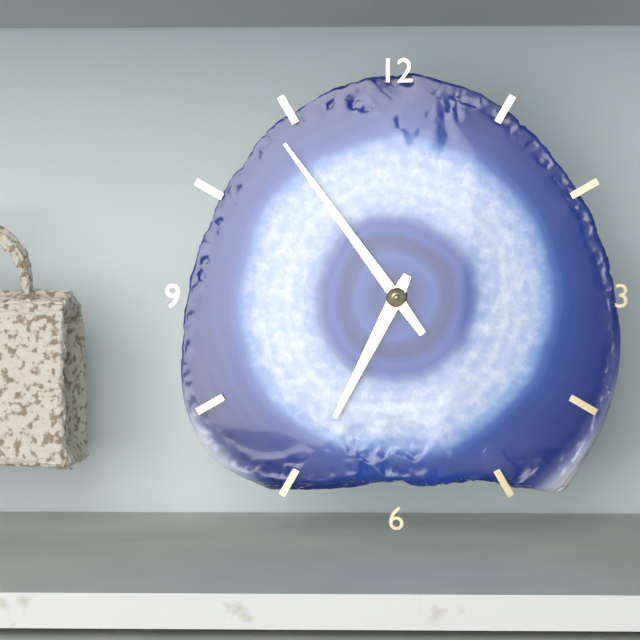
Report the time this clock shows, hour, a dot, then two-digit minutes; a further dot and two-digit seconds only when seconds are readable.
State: 6.54
